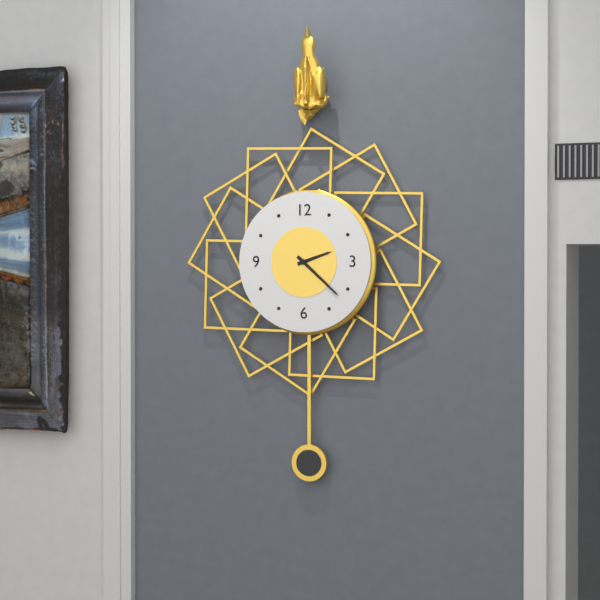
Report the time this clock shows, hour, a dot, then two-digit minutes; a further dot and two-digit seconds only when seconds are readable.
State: 2.22
